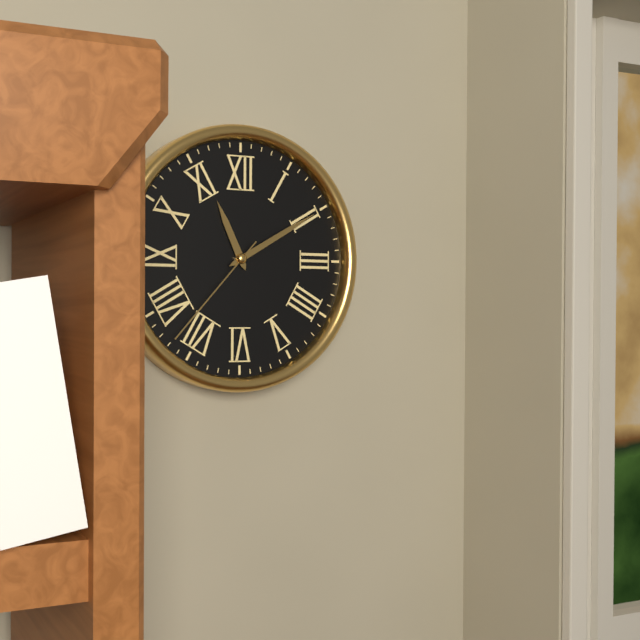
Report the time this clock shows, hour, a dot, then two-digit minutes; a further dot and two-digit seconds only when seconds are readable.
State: 11.10.37
